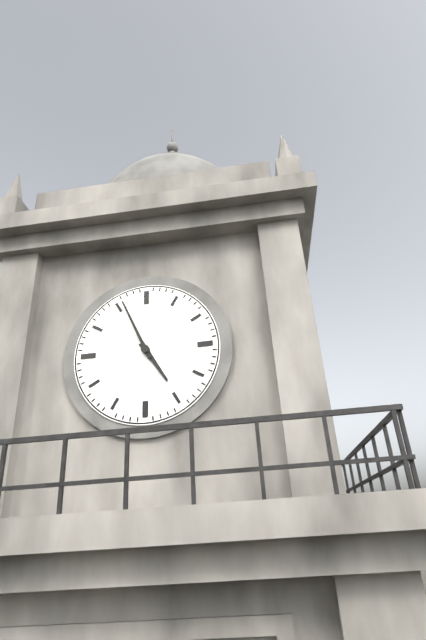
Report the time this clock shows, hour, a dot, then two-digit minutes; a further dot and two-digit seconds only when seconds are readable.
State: 4.56
